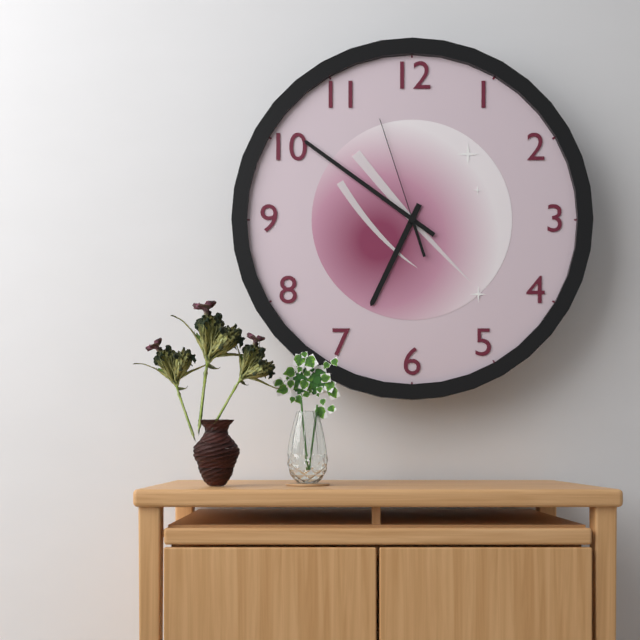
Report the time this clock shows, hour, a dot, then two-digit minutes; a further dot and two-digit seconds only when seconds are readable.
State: 6.51.57
